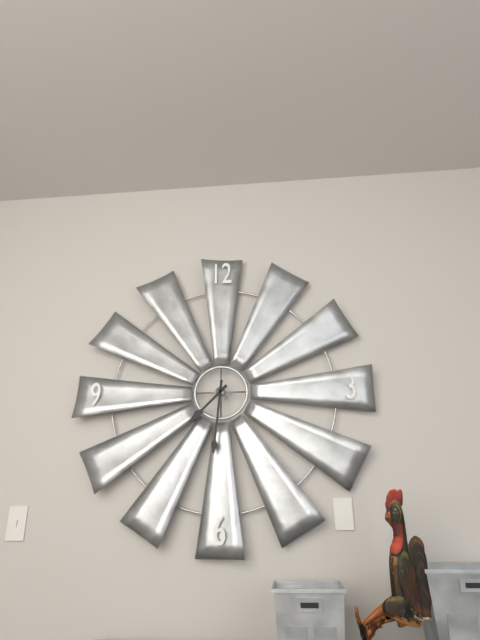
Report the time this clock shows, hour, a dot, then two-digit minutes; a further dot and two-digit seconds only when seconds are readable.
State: 7.31
